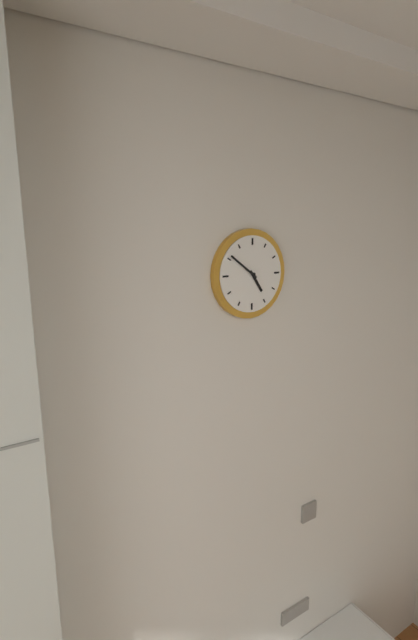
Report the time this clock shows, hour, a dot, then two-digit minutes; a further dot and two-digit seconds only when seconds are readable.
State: 4.51
